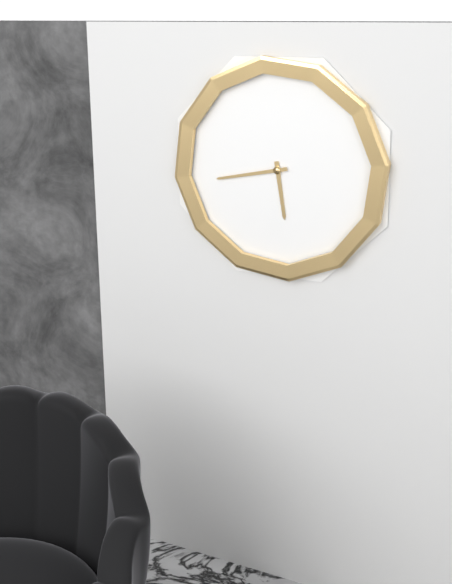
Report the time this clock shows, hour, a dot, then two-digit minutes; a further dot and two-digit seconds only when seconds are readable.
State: 5.43
